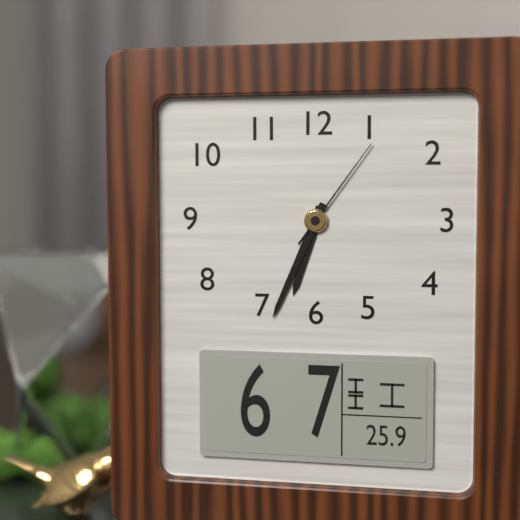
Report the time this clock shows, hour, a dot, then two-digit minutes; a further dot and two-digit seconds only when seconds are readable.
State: 6.34.06
